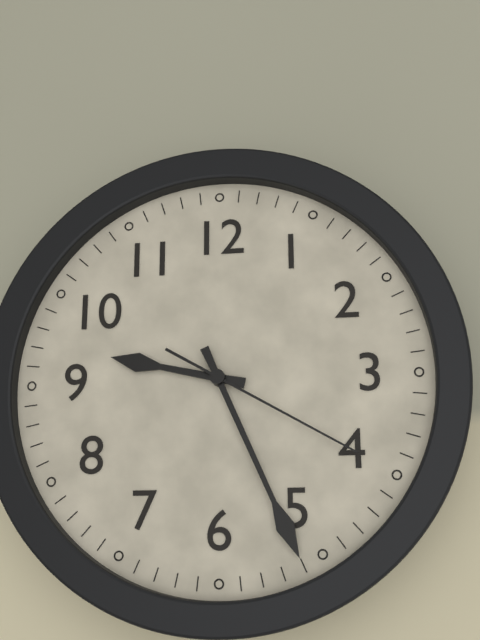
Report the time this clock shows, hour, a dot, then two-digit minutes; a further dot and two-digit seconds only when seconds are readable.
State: 9.26.20
